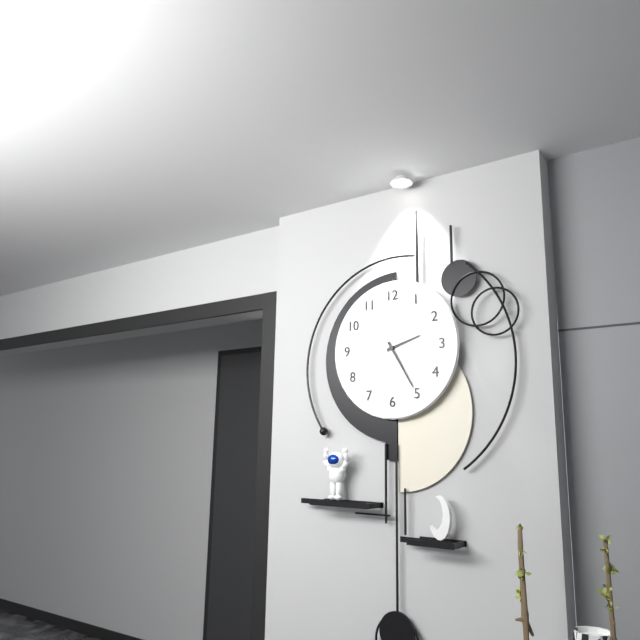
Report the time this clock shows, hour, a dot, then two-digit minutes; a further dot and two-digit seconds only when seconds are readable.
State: 2.25
